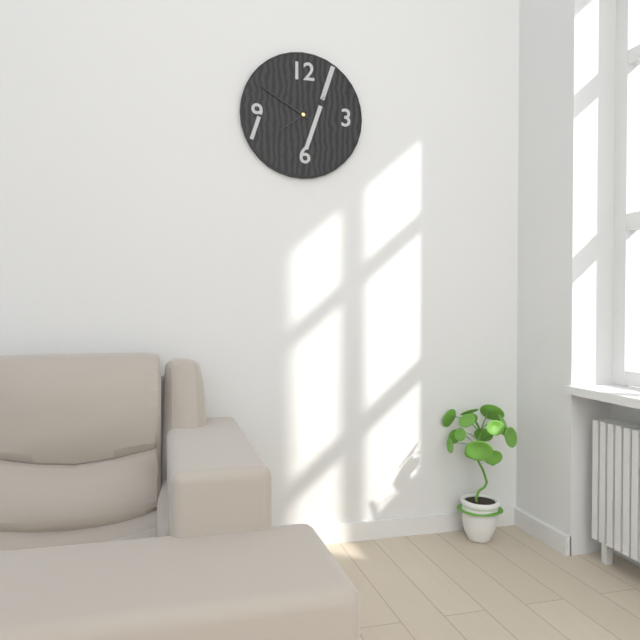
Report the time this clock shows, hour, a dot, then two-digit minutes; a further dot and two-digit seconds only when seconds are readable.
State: 7.50
